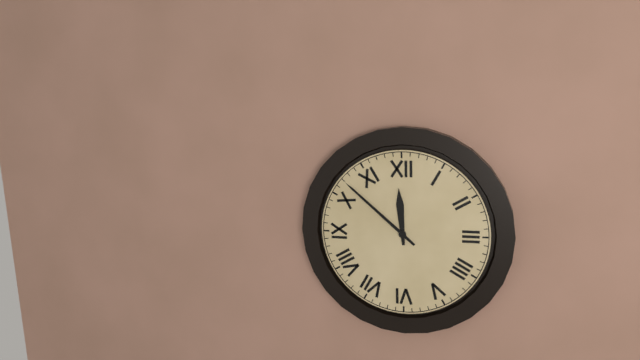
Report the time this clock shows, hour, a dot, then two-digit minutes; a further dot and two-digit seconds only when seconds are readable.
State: 11.52
